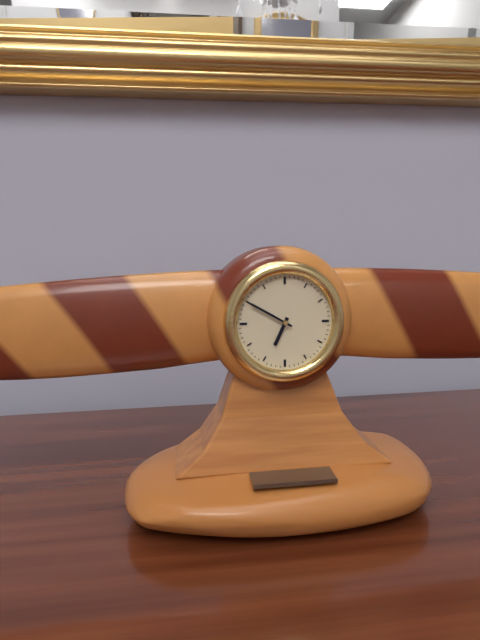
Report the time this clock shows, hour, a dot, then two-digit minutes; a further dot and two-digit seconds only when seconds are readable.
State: 6.50
